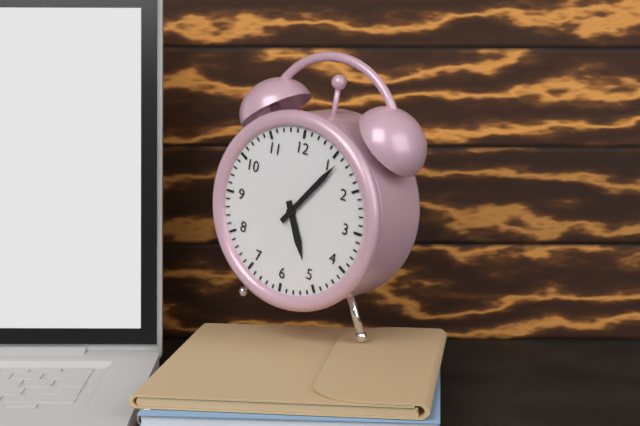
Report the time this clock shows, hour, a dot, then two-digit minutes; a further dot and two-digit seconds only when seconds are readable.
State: 5.06
